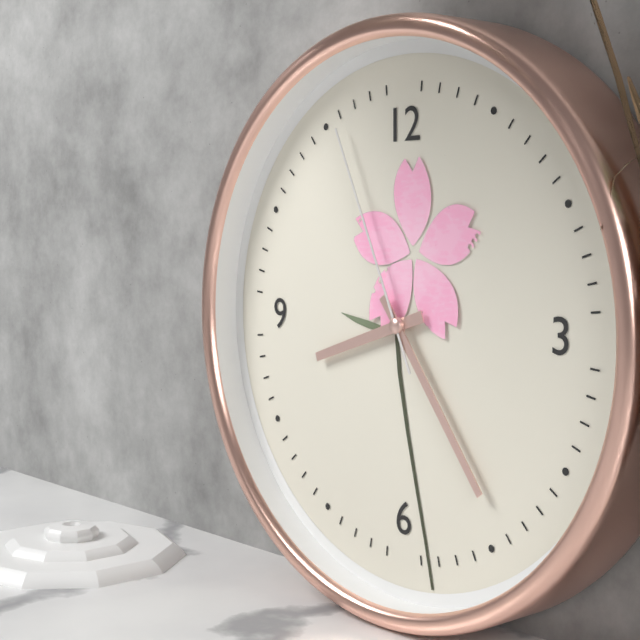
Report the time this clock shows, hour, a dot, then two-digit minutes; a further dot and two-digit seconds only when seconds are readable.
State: 8.24.56
